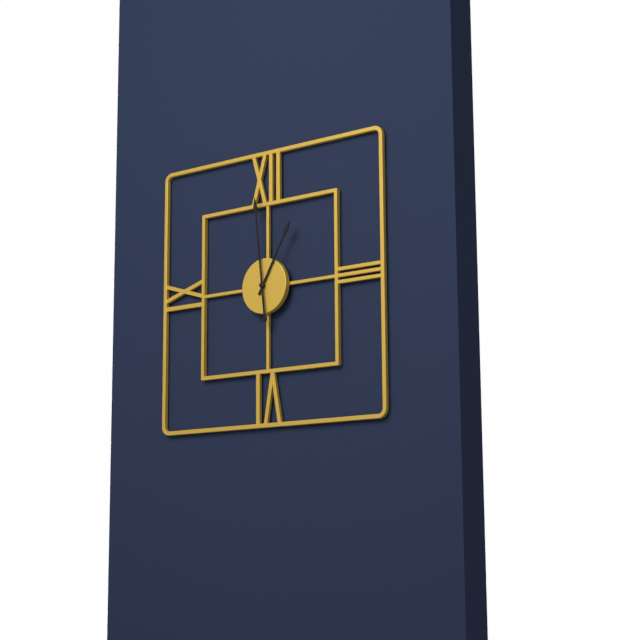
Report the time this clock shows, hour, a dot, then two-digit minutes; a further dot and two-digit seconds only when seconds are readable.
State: 12.59
